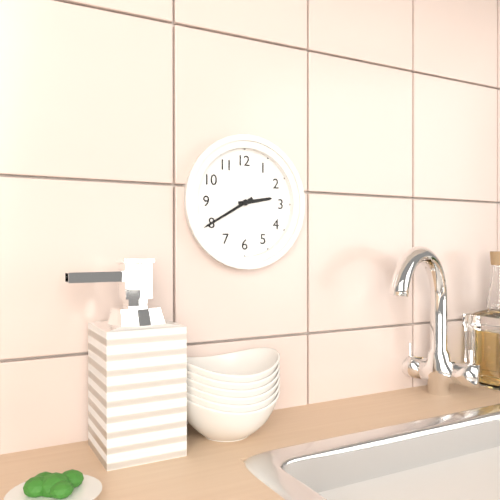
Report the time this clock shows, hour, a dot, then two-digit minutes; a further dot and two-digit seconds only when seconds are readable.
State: 2.40
